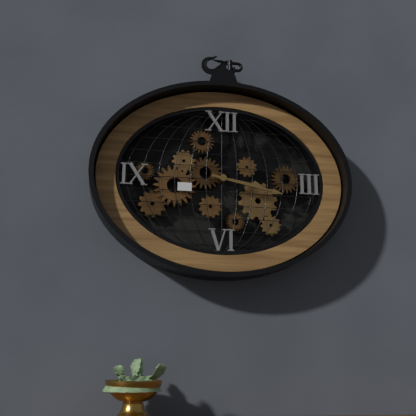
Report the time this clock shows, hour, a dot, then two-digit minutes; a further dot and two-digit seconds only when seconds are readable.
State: 3.17
